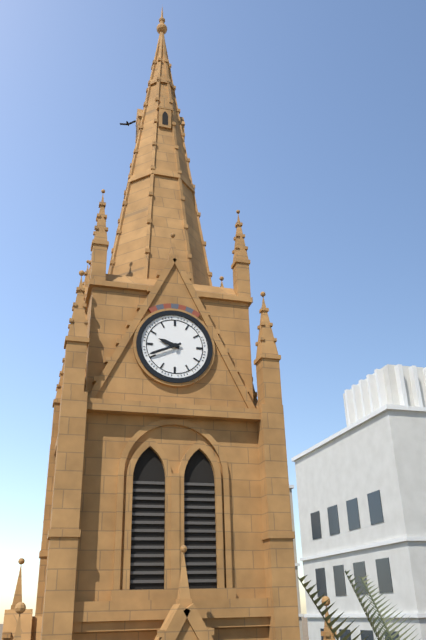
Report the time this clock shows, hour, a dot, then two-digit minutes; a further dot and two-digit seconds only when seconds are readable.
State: 9.41
